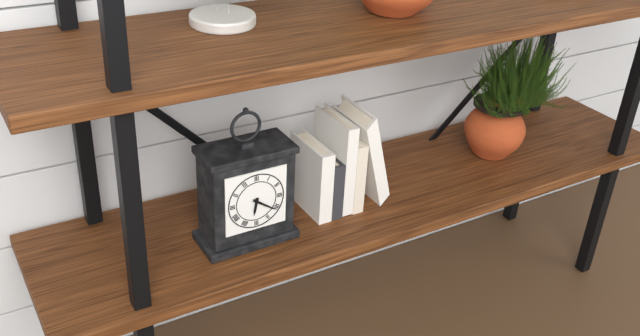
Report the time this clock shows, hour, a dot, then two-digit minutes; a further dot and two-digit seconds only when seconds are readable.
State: 6.21
